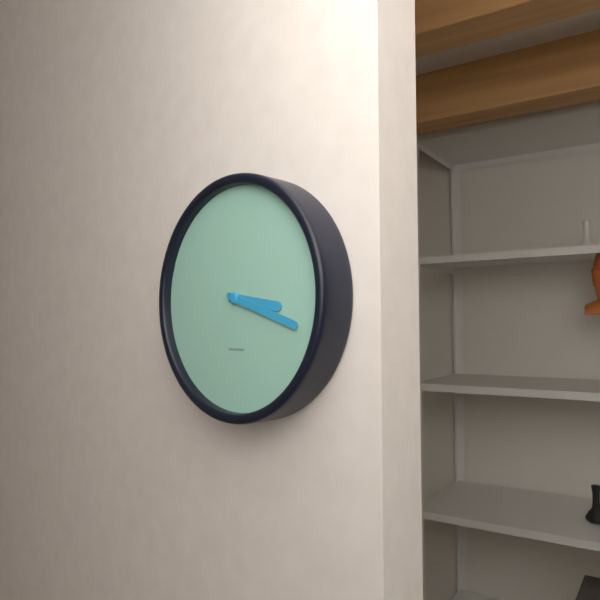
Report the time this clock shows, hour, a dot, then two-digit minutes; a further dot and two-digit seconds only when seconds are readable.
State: 3.18
